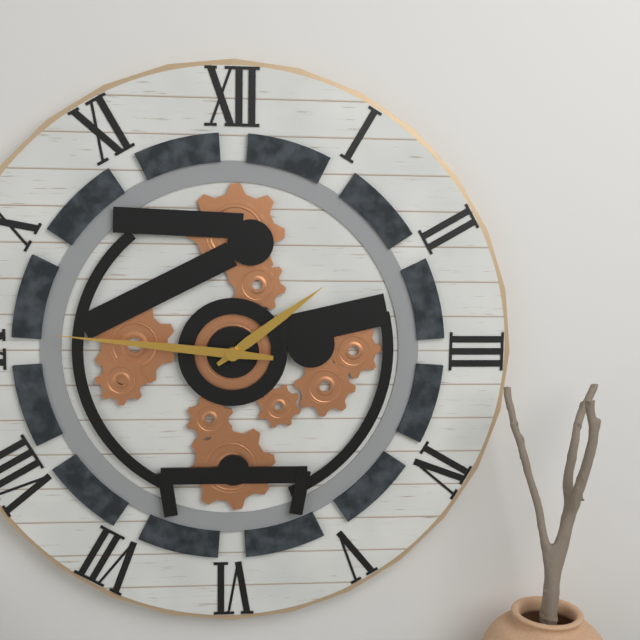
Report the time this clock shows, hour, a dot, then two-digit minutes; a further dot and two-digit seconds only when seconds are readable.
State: 1.46
